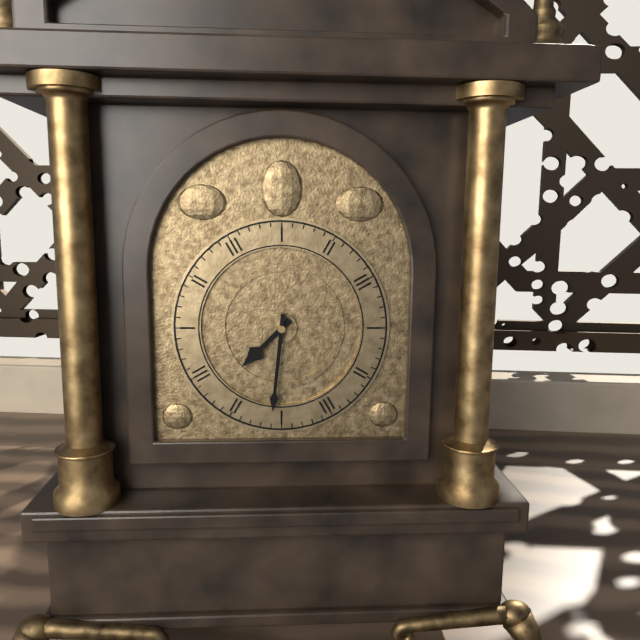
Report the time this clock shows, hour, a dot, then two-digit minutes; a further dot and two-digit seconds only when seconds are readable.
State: 7.31
